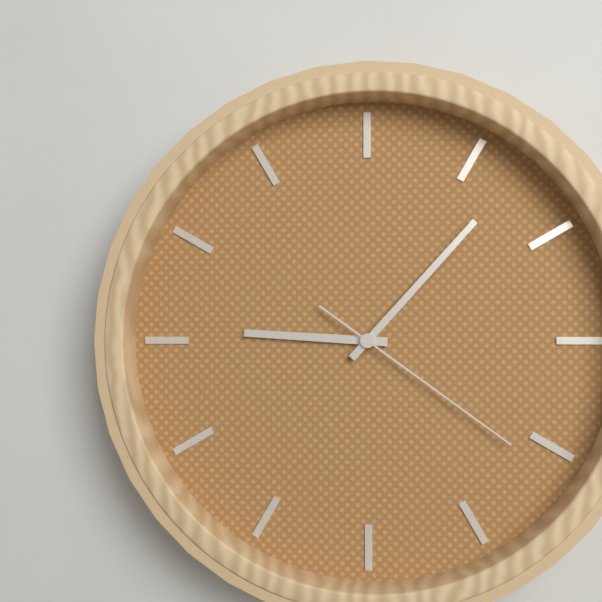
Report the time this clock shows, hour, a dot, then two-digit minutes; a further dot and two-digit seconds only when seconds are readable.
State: 9.07.21
